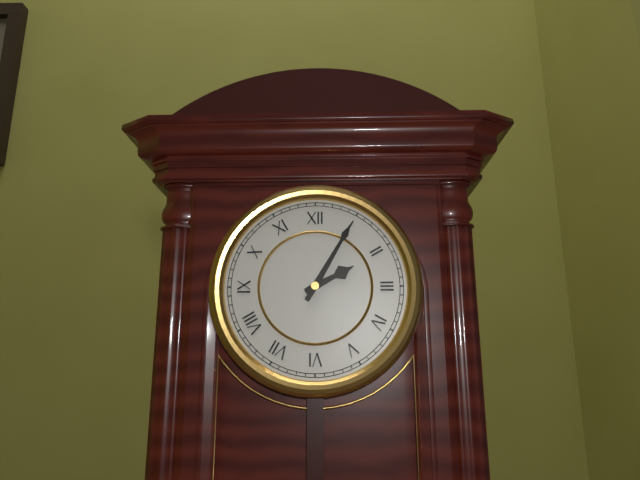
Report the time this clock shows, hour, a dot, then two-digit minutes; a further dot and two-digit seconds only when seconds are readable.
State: 2.05
